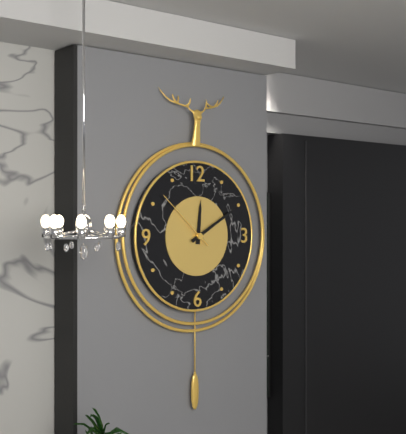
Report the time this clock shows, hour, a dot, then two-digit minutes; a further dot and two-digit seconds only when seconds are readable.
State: 12.10.52
